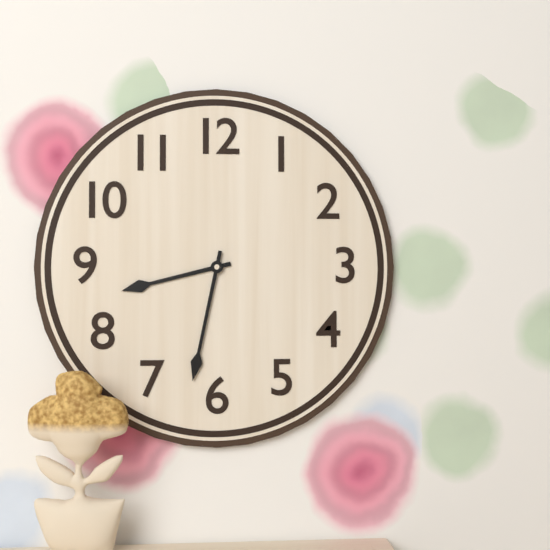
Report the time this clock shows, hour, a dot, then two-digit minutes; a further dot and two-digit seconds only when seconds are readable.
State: 8.32
